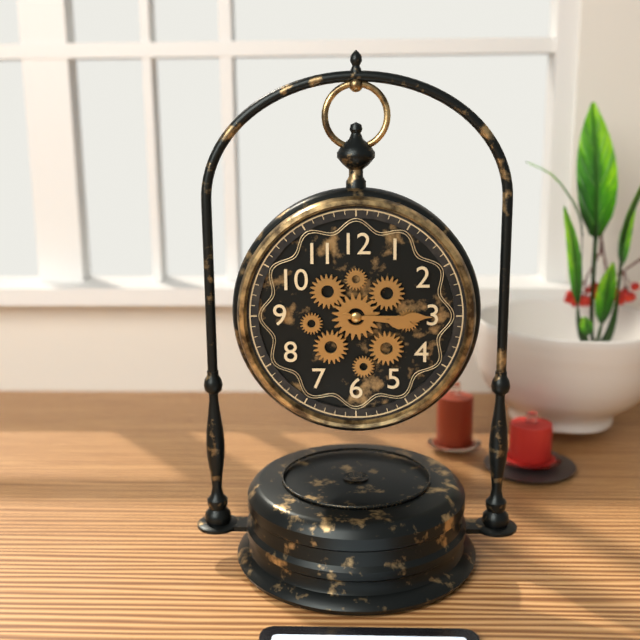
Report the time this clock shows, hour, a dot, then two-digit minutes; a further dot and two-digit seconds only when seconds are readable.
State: 3.15
